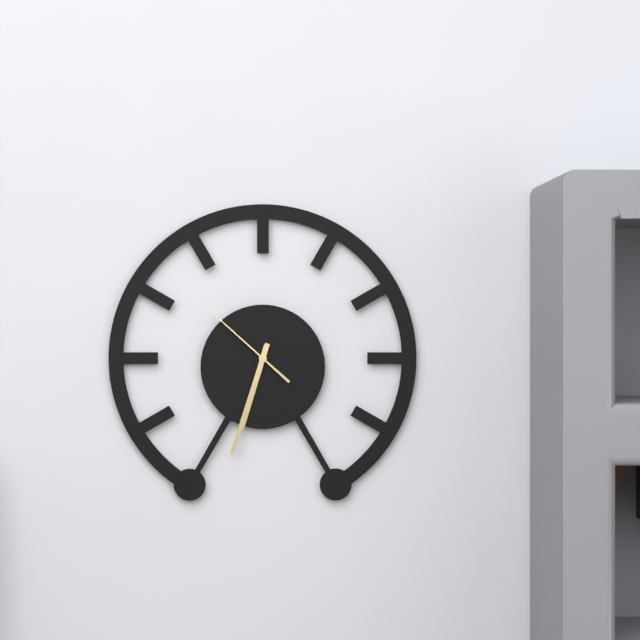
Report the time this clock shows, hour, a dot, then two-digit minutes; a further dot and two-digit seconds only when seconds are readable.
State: 6.33.52
